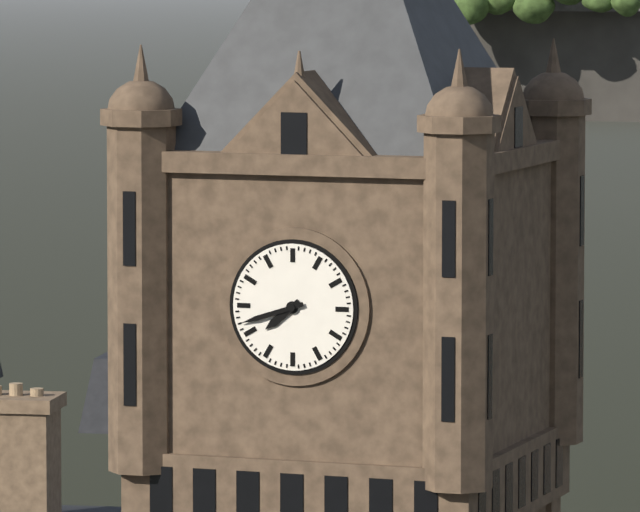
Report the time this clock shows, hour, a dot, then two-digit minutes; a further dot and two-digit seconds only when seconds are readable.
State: 7.42
